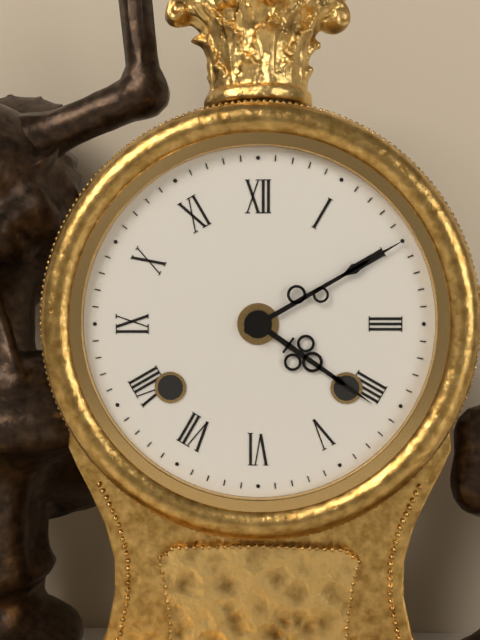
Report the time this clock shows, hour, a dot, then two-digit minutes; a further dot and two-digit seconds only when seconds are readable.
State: 4.10
